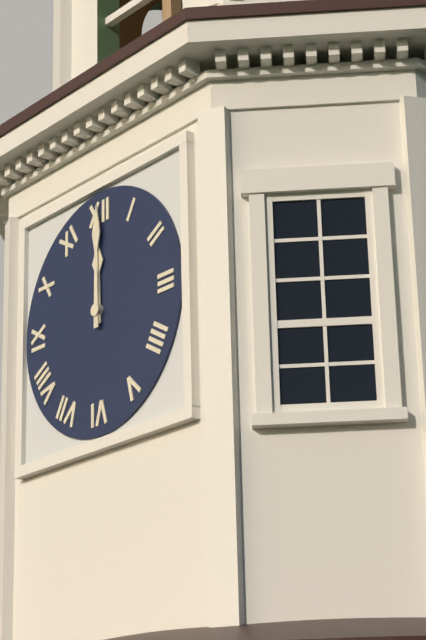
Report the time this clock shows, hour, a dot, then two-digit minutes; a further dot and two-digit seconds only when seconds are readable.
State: 12.00
